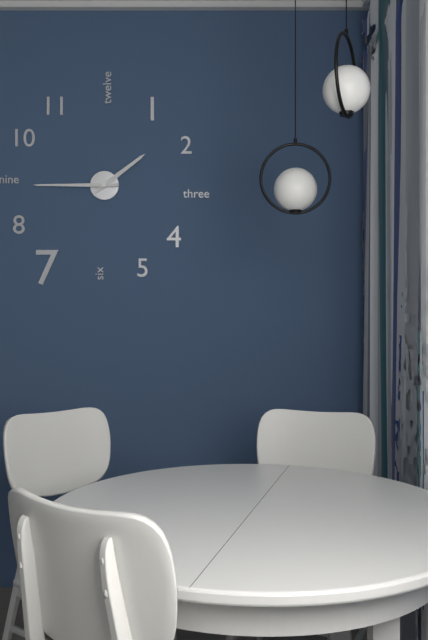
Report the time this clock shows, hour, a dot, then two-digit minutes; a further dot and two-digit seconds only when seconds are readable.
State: 1.45
